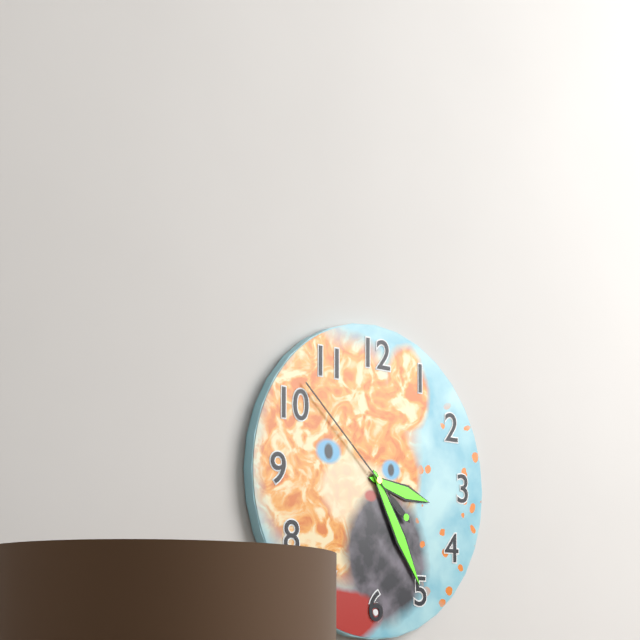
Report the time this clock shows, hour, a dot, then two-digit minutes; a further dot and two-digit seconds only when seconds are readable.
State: 3.25.52
